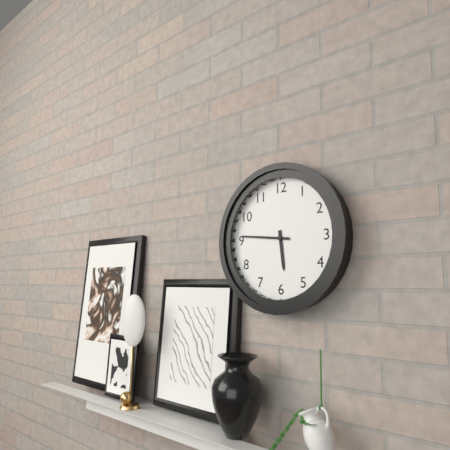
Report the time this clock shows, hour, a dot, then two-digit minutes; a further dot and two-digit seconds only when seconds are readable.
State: 5.46
